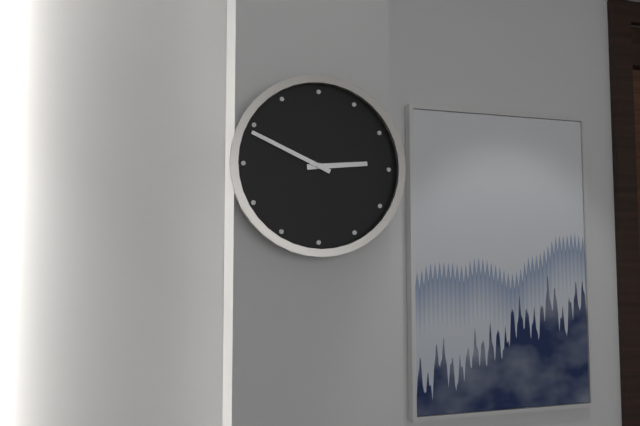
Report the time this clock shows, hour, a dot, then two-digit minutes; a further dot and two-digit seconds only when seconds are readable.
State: 2.49
